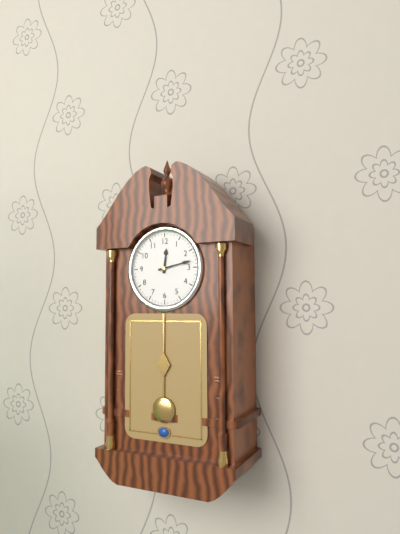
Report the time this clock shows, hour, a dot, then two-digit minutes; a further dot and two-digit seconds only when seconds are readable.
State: 12.13
